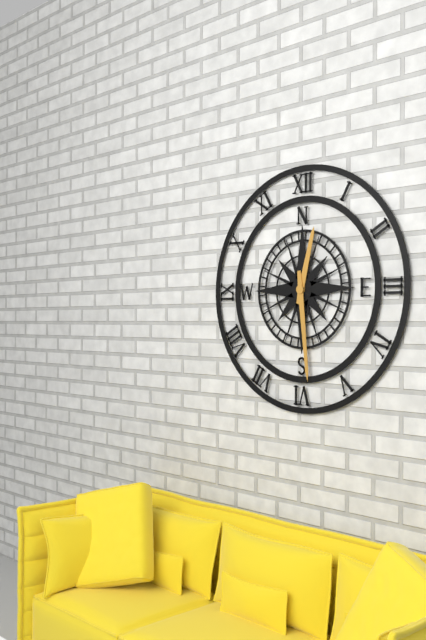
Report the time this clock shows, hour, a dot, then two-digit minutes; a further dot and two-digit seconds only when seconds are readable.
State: 12.29
